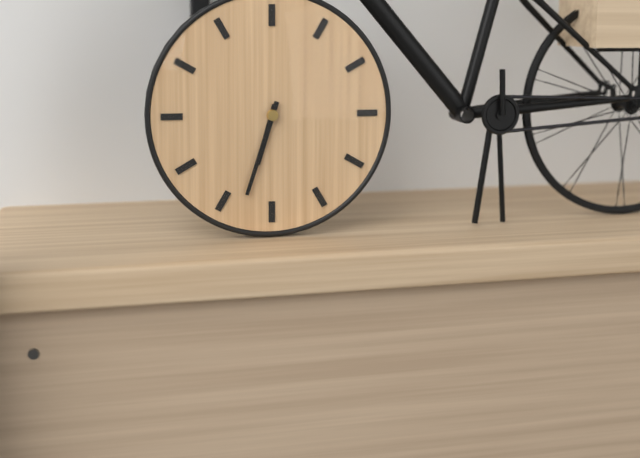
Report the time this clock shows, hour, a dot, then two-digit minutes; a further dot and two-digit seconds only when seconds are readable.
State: 6.33
